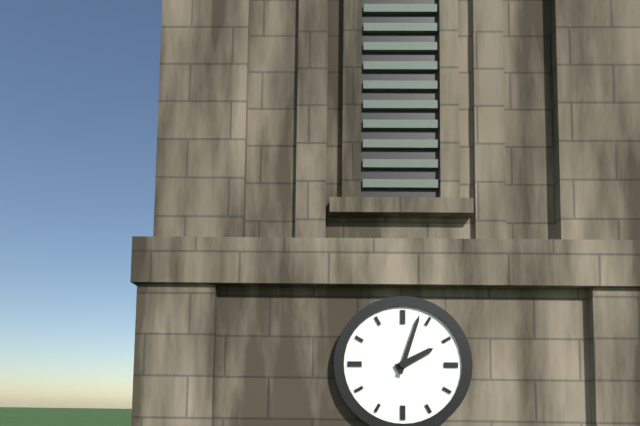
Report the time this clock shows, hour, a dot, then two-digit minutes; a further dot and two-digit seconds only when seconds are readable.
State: 2.03
